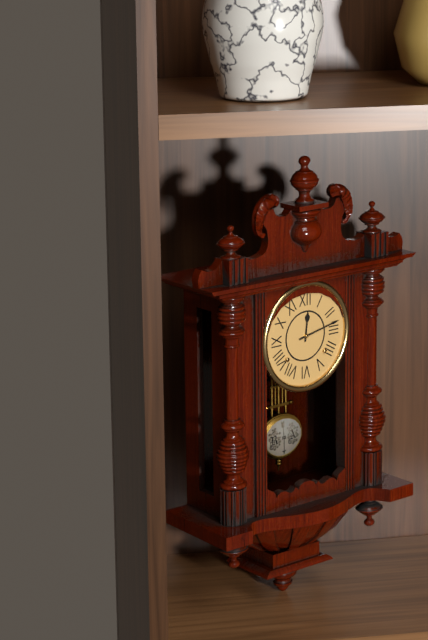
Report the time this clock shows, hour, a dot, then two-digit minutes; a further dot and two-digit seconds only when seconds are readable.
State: 12.13
